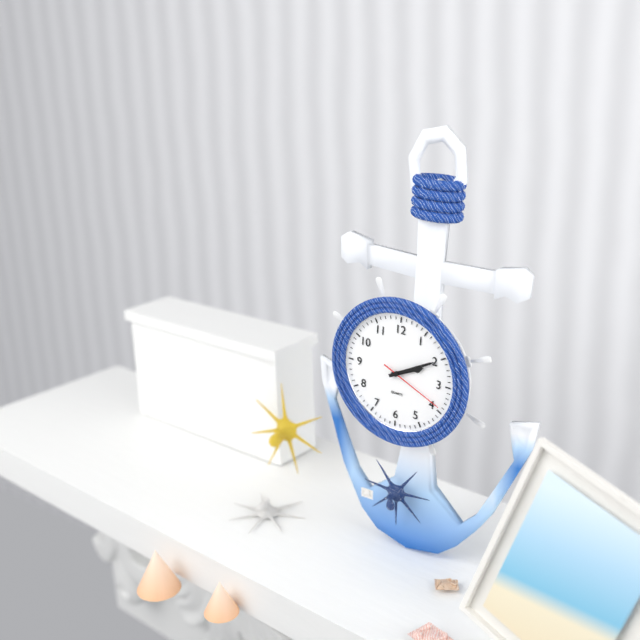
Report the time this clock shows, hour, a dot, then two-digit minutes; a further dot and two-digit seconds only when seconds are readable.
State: 2.10.19
